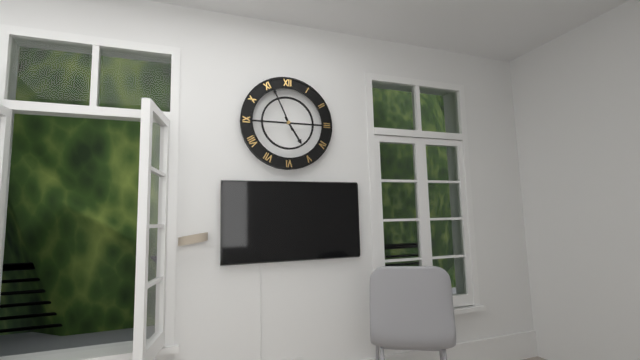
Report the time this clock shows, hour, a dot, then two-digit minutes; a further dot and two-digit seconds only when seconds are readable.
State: 4.56
